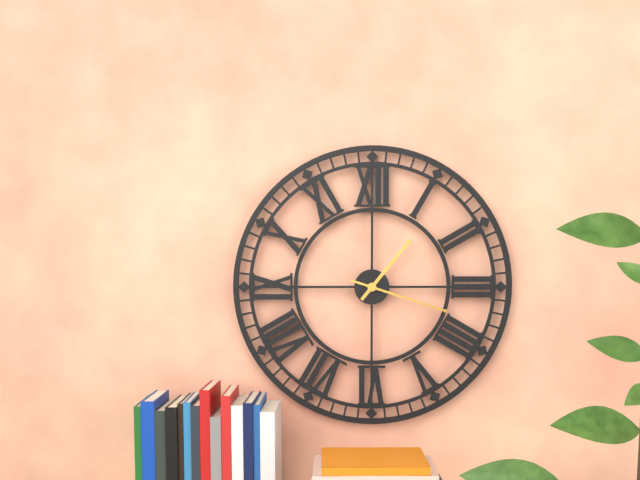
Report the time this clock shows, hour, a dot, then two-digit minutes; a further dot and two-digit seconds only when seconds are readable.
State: 1.18
